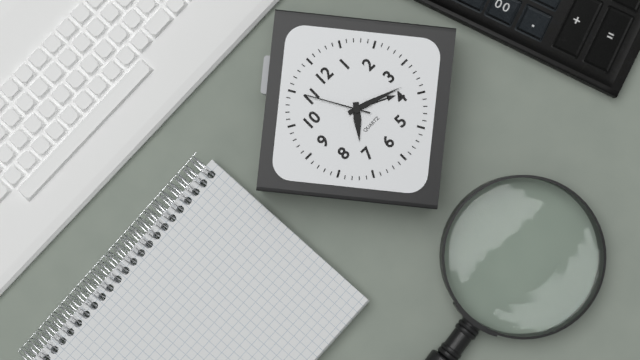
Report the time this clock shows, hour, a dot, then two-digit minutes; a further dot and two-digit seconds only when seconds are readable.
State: 7.18.55
